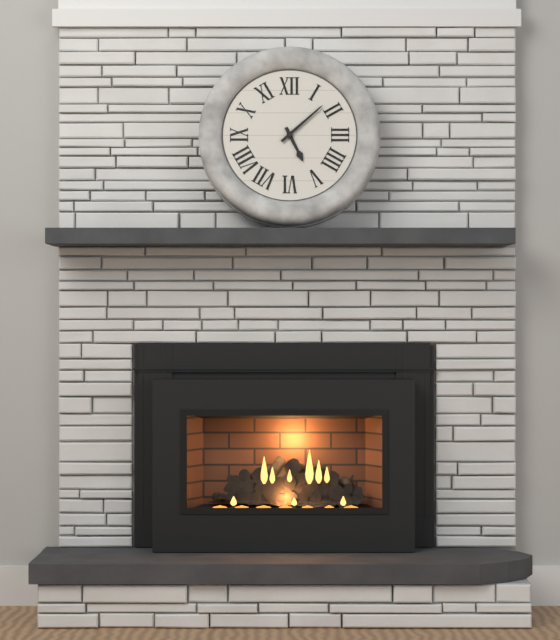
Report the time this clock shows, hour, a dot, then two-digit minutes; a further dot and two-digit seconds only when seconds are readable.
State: 5.08
